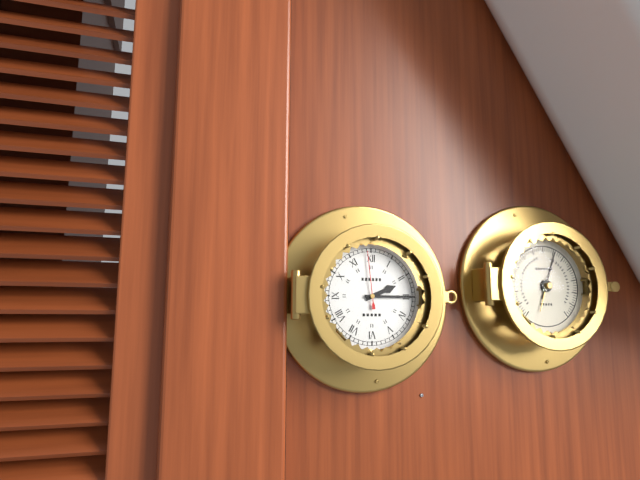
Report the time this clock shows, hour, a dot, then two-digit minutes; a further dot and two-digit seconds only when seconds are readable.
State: 2.15.59
